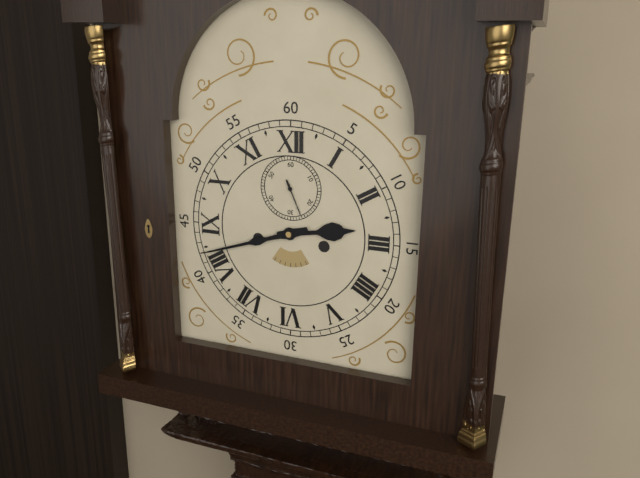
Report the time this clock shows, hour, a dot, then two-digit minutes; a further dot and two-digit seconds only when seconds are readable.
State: 2.42
